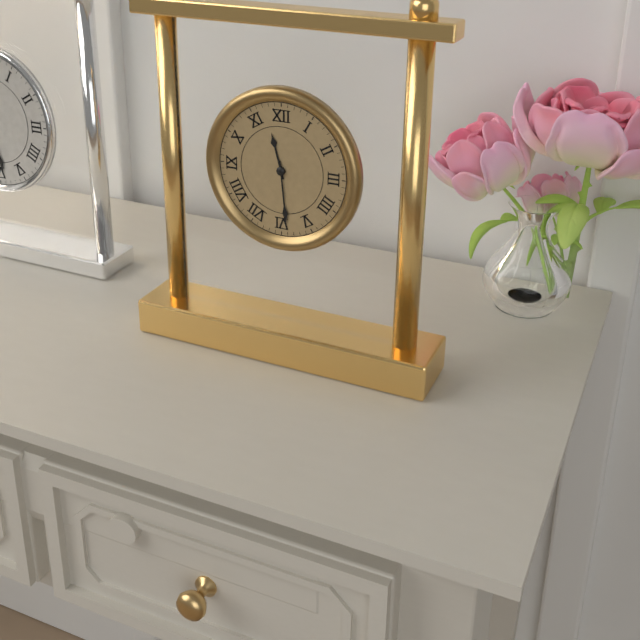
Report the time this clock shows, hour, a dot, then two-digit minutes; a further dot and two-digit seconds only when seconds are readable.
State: 11.29
